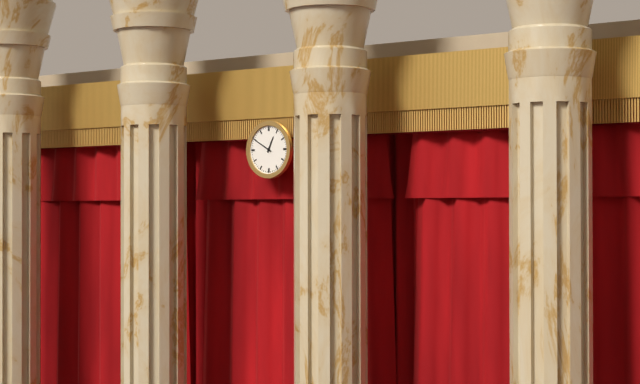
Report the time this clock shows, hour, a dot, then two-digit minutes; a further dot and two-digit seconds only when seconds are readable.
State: 12.50
